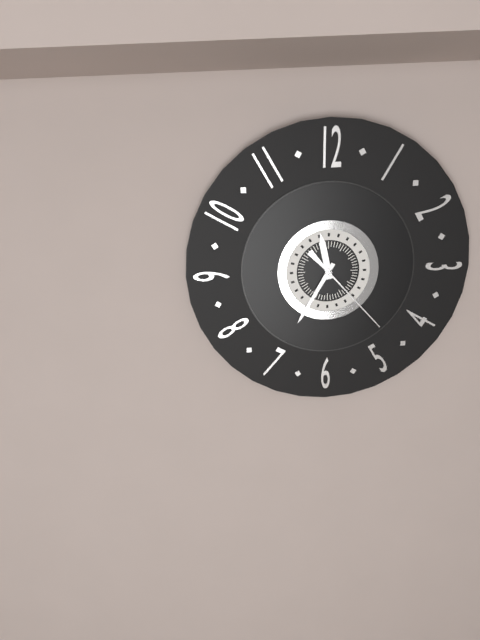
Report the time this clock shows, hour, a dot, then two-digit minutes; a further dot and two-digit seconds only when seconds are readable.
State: 11.35.23
